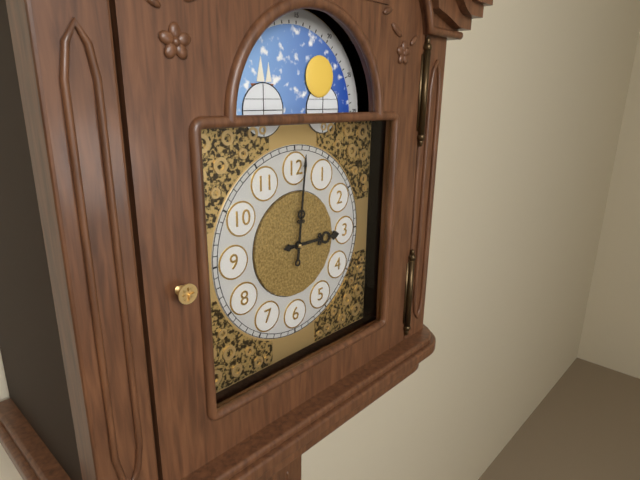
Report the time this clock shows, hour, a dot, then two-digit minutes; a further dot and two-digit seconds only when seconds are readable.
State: 3.01
